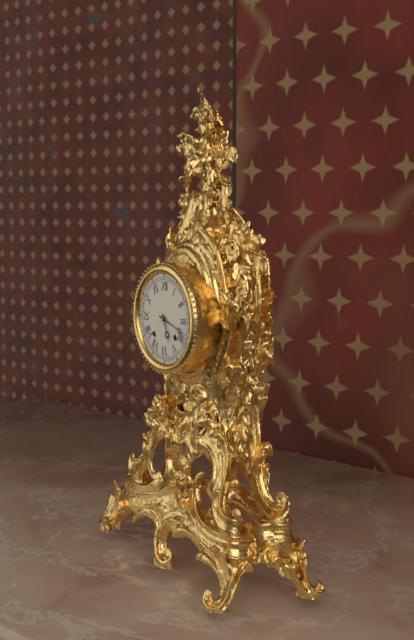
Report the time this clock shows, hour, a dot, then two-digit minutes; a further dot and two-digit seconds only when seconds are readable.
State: 5.18
